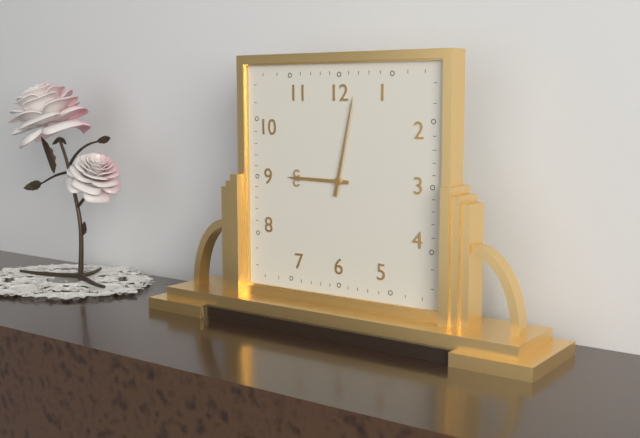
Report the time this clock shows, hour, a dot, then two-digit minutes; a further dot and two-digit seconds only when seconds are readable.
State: 9.02
